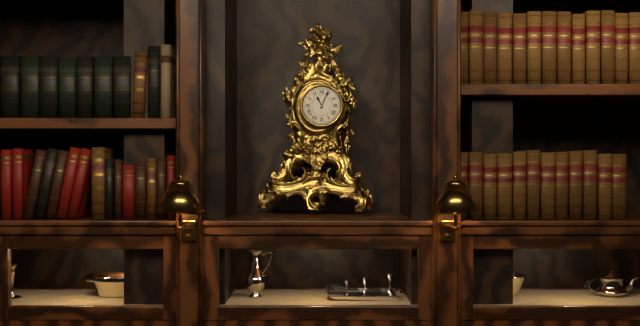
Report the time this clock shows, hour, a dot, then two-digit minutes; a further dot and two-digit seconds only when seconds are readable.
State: 11.04
